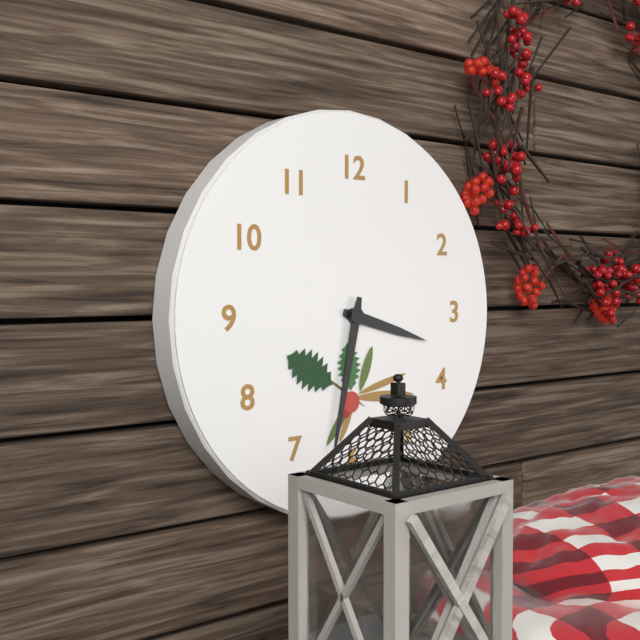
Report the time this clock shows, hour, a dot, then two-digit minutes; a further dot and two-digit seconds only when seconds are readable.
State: 3.32
